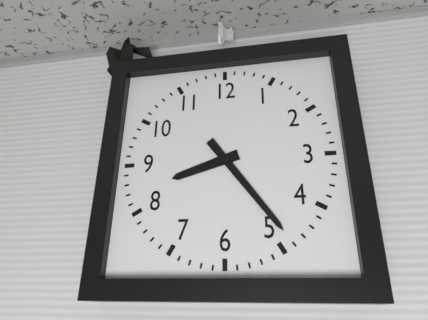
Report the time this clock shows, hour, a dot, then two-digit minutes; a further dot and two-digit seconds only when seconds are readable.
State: 8.24
